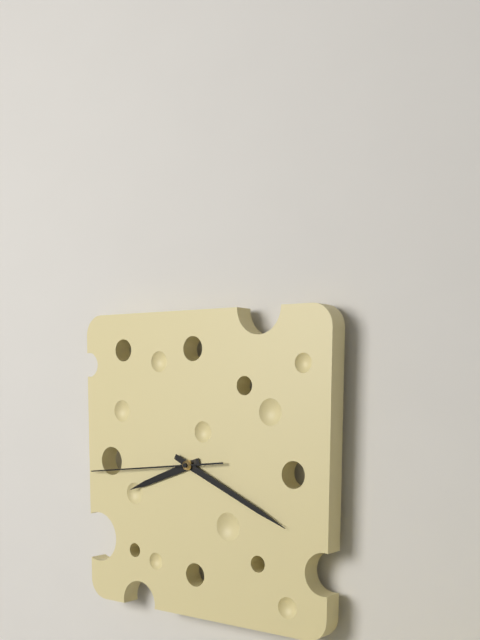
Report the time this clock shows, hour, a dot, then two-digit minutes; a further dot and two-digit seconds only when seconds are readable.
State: 8.19.44
